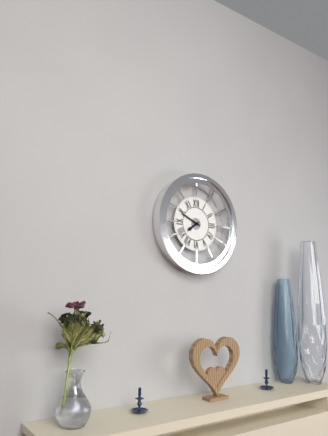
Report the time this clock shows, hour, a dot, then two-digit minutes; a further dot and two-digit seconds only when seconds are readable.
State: 7.49
